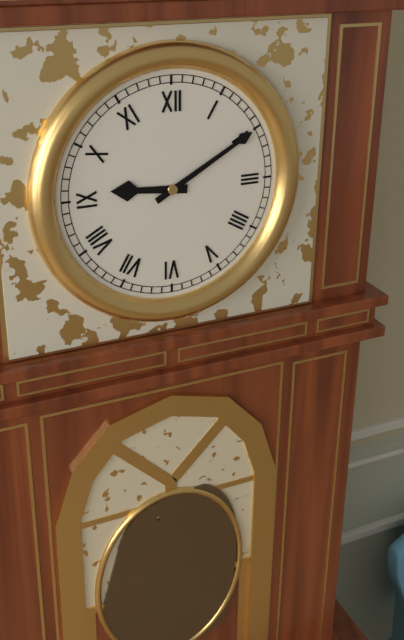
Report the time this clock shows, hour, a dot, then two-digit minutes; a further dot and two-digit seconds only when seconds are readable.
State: 9.10
